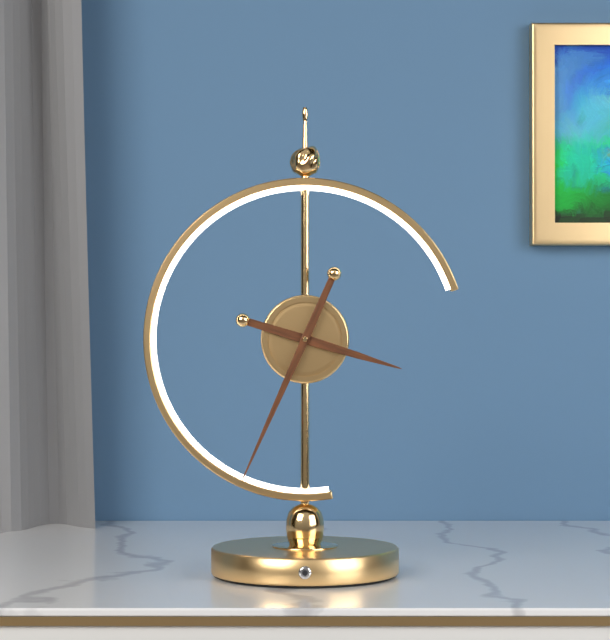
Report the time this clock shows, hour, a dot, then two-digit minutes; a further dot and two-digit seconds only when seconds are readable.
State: 3.34
